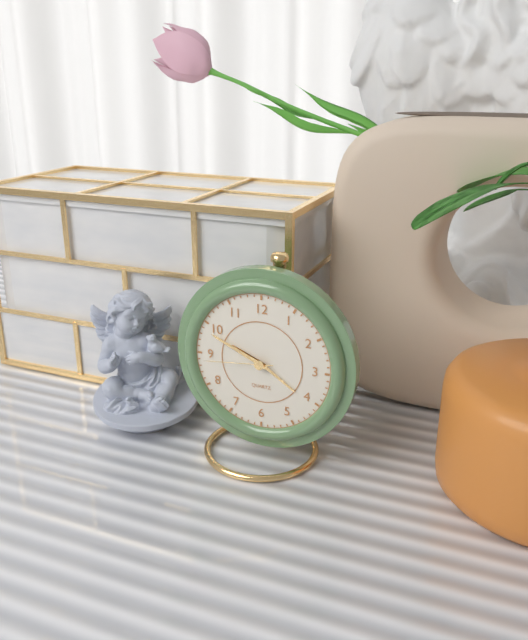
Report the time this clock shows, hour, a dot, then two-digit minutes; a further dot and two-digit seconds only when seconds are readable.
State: 9.49.44
